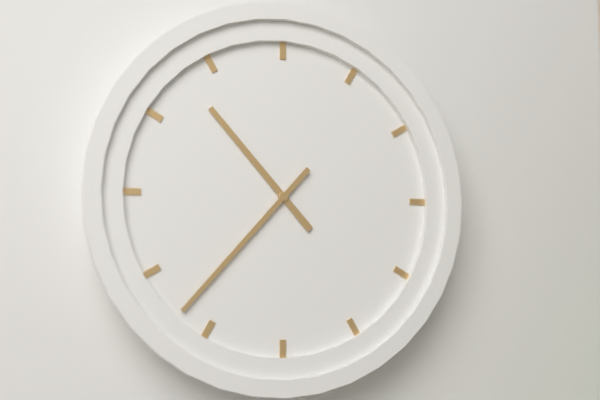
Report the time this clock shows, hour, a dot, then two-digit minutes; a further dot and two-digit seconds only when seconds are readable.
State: 10.37
